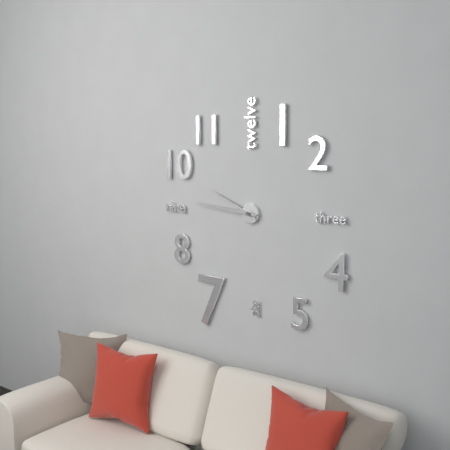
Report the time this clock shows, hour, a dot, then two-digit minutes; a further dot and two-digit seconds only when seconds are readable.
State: 9.46
